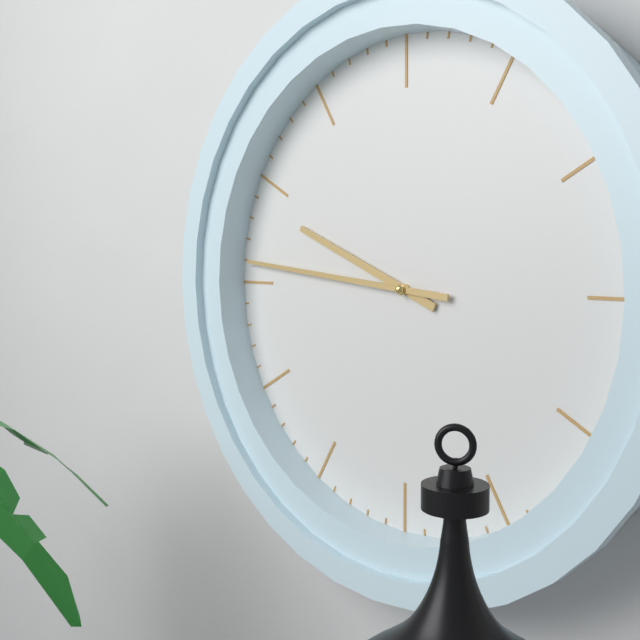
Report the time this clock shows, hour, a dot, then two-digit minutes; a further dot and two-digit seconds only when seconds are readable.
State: 9.46
